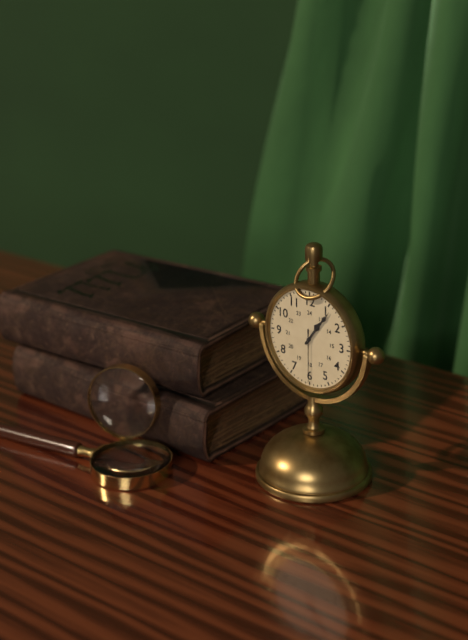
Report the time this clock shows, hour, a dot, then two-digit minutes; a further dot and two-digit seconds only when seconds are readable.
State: 1.06.30
